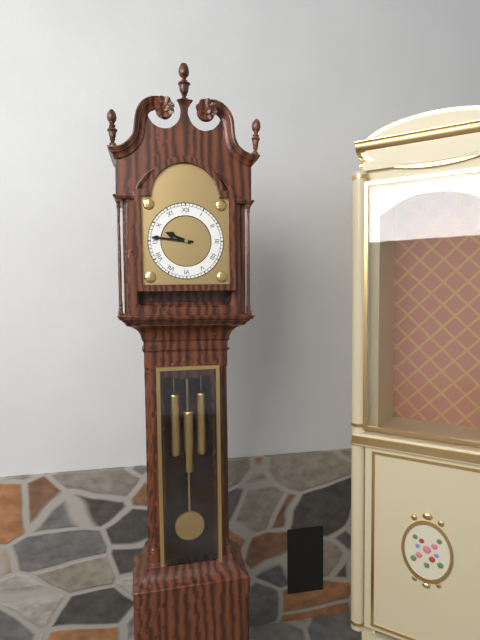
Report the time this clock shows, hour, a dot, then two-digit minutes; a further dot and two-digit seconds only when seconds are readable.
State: 9.46
